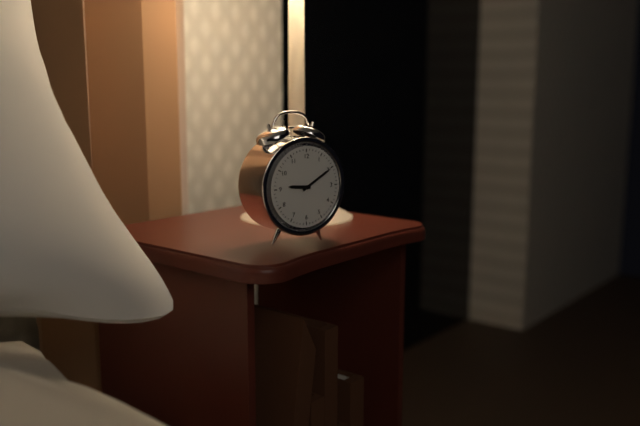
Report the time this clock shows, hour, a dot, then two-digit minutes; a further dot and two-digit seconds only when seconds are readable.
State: 9.10
